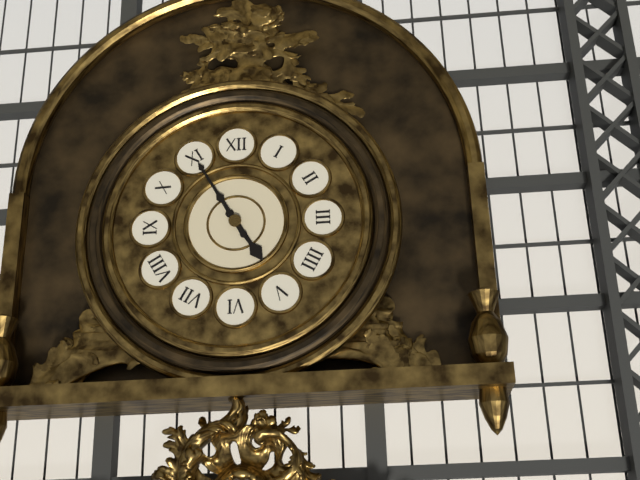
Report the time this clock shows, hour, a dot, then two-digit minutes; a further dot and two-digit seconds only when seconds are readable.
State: 4.55
